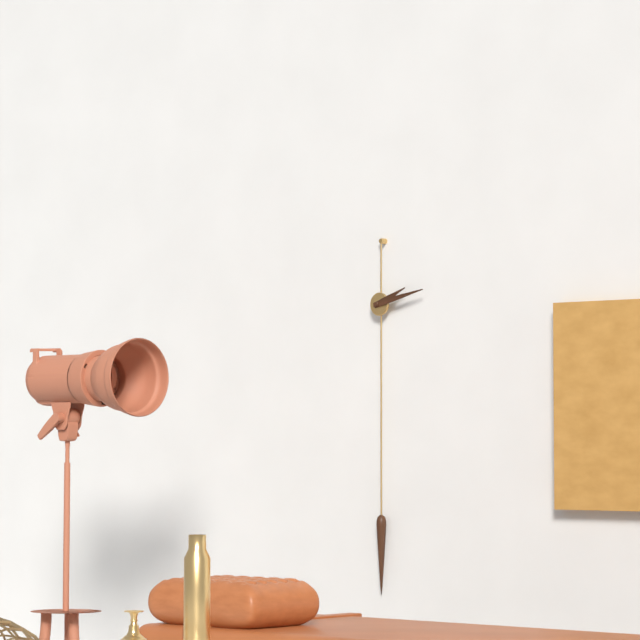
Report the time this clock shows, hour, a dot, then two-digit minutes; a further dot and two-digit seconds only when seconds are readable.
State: 2.13
